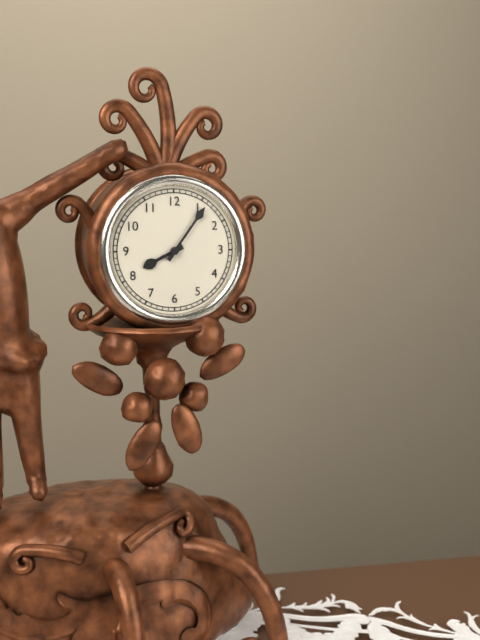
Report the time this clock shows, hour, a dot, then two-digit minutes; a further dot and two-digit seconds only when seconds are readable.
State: 8.06
